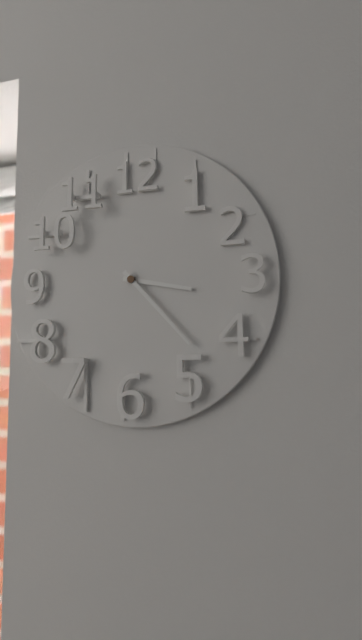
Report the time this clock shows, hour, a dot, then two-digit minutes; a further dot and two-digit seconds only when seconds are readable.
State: 3.23
